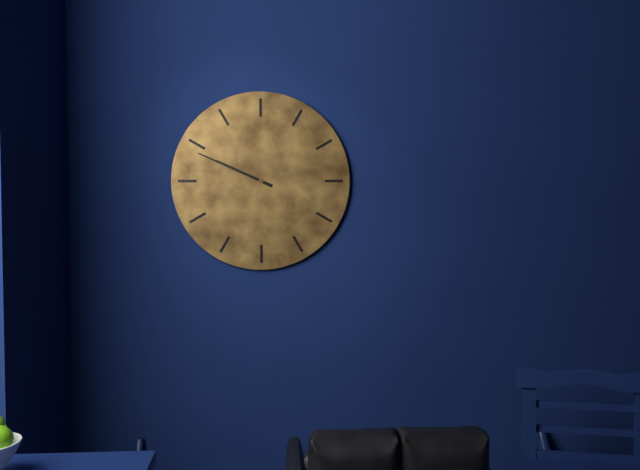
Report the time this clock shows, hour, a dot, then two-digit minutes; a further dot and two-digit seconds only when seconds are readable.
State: 9.49
